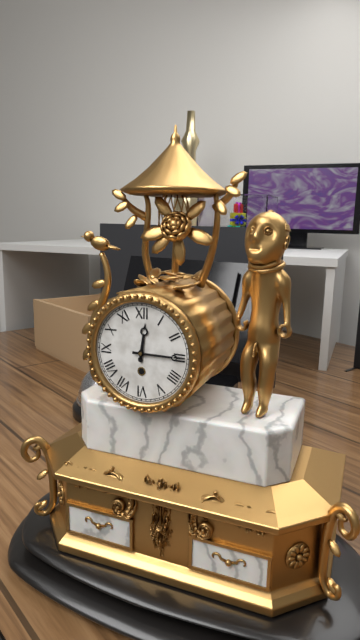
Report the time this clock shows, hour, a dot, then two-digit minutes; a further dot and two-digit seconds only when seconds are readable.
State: 12.15
